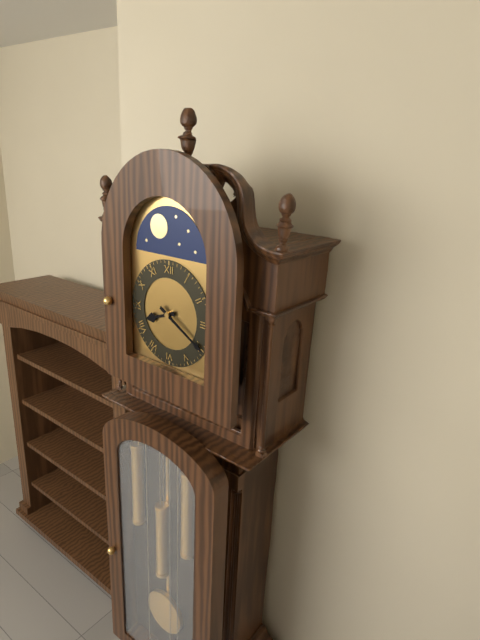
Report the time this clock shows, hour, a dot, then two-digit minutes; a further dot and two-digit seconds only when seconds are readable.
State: 8.20
